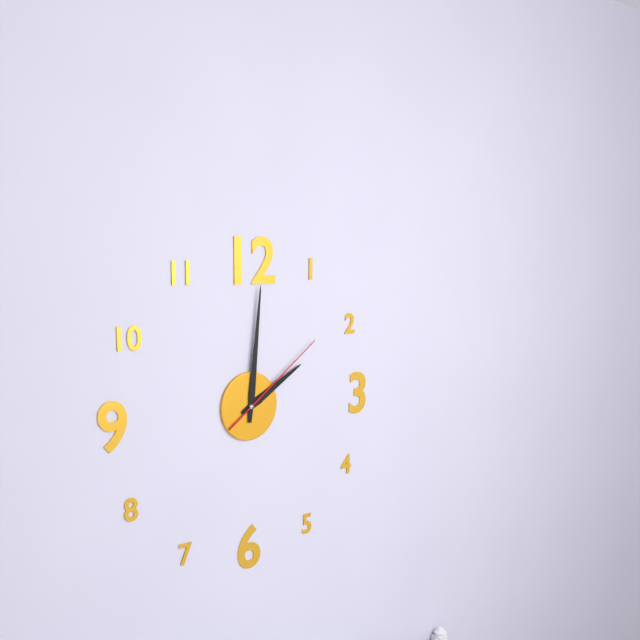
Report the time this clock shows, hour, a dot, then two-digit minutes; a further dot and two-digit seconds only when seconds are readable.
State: 2.01.09
